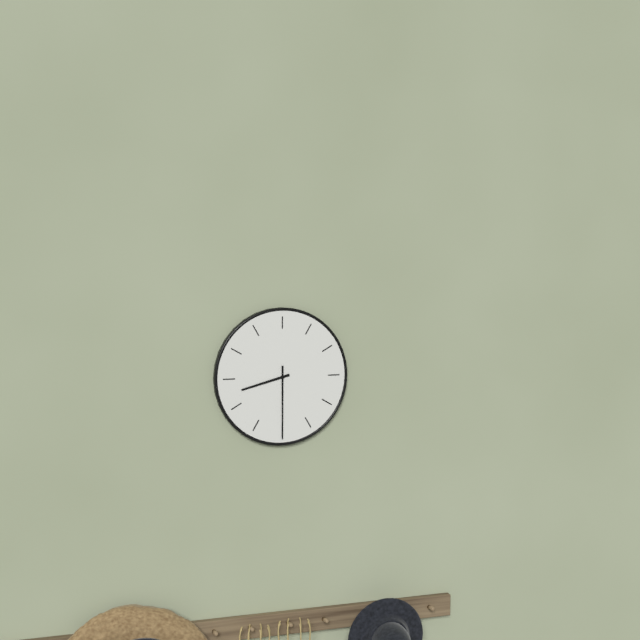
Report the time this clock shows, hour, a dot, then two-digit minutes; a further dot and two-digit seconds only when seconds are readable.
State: 8.30
